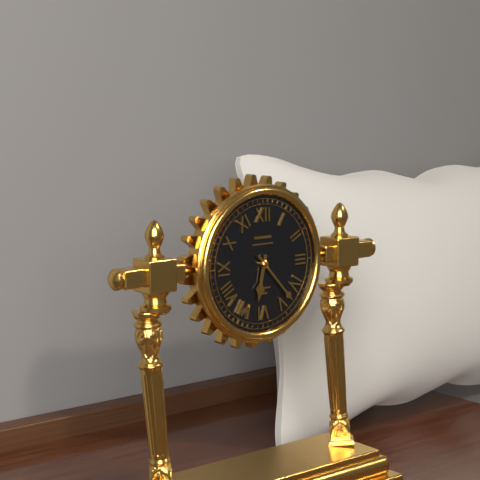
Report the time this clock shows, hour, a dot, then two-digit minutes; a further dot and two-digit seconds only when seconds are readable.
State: 6.23
